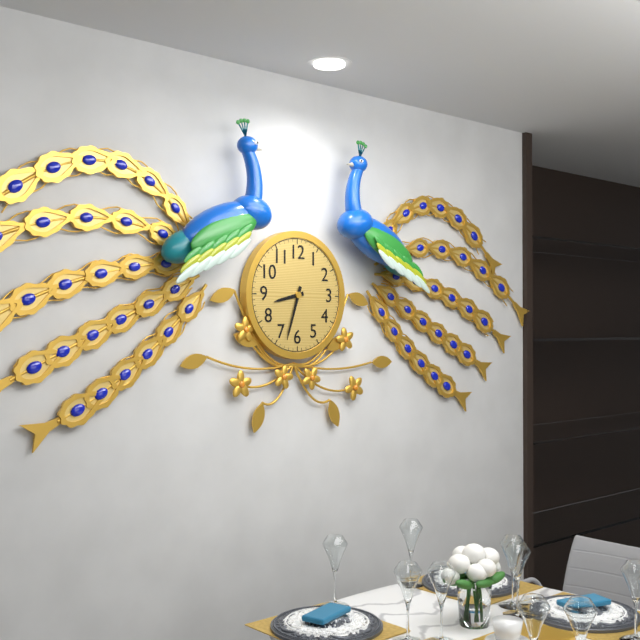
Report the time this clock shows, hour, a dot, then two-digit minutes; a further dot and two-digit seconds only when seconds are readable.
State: 8.33
